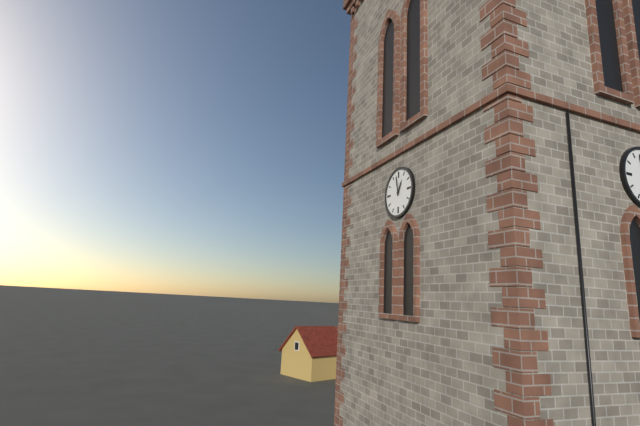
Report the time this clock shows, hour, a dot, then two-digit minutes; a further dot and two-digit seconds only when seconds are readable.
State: 12.58
